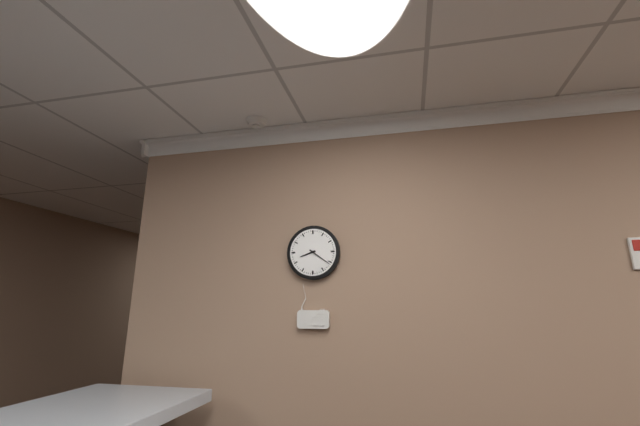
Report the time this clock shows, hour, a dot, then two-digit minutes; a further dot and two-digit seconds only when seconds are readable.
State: 8.21
